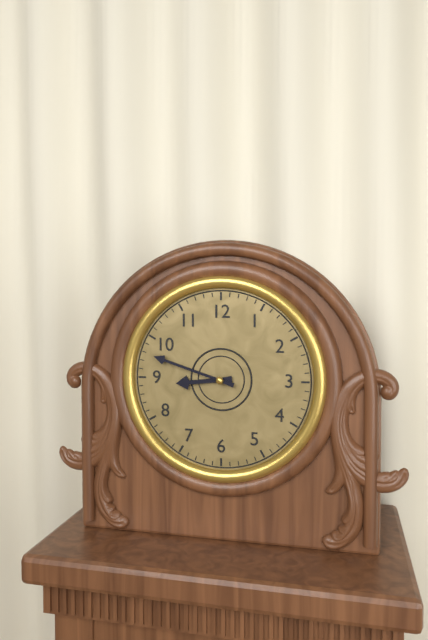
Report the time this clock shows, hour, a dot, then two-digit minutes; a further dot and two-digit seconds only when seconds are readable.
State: 8.48
